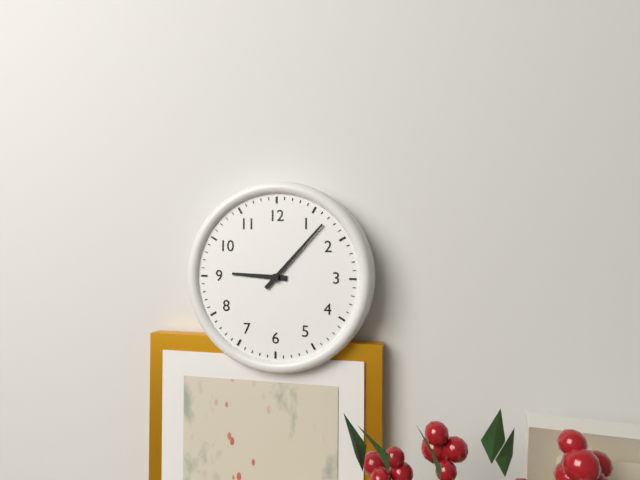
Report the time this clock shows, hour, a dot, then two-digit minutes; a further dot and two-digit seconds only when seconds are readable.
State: 9.07
